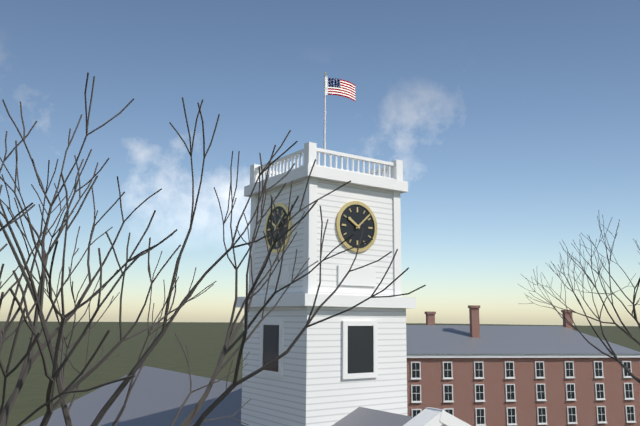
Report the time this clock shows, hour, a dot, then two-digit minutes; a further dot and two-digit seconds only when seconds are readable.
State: 10.08
